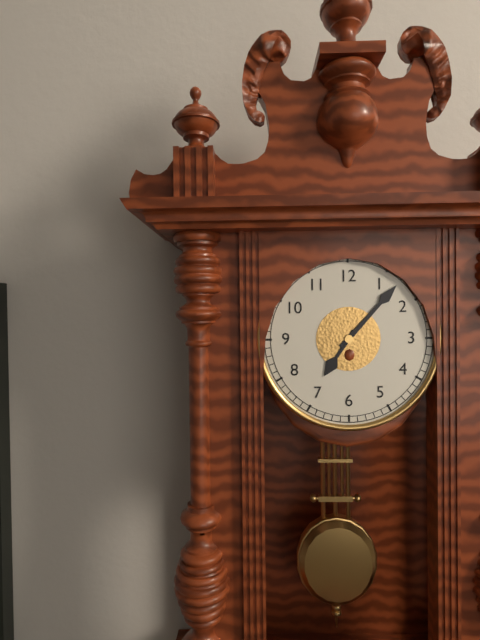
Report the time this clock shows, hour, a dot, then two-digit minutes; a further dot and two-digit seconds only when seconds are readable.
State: 7.07
